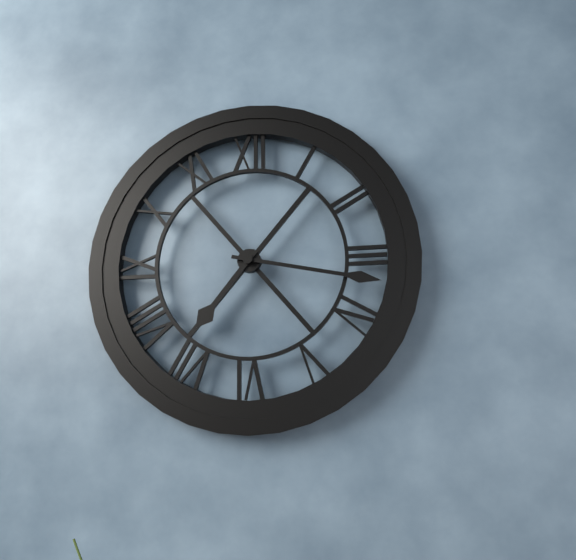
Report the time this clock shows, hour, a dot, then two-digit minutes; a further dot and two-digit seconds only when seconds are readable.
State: 7.17
